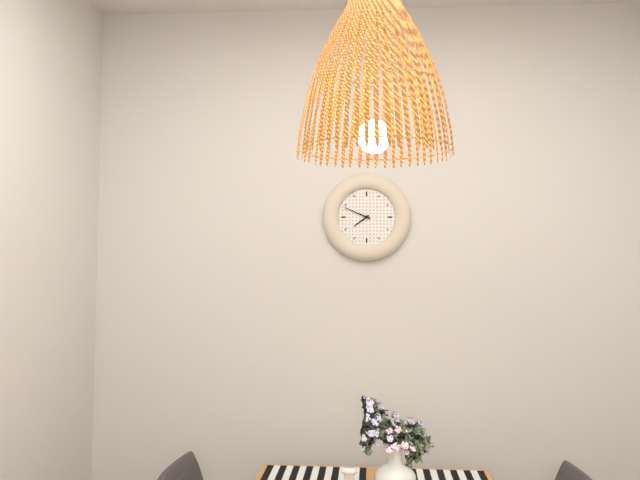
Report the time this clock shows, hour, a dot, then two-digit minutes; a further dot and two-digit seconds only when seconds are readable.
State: 7.49
